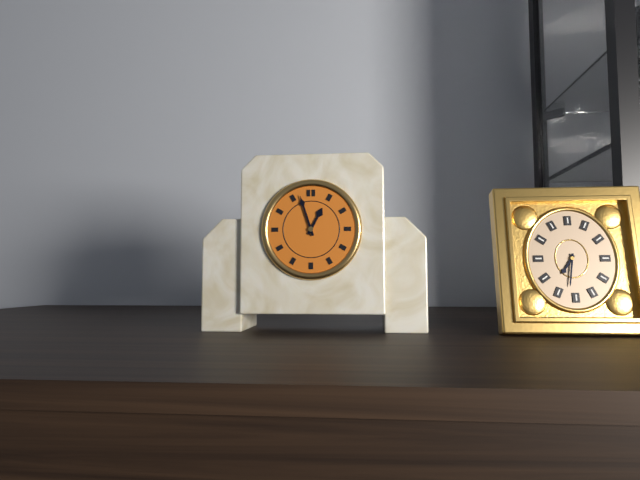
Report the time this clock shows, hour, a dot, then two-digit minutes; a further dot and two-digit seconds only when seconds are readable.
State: 12.57
